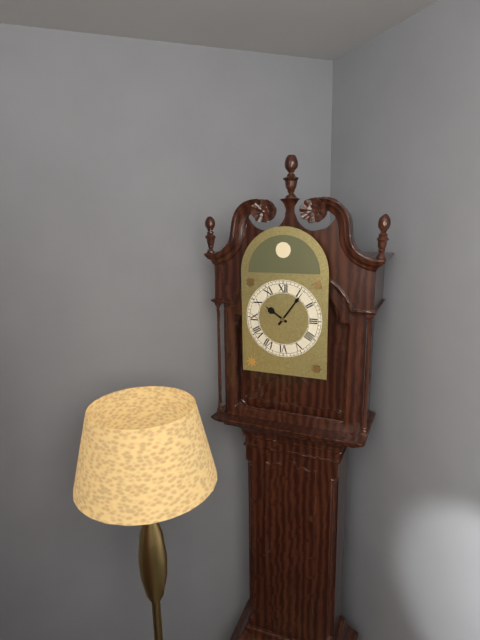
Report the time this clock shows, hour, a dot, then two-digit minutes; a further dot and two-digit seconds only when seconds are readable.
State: 10.06
